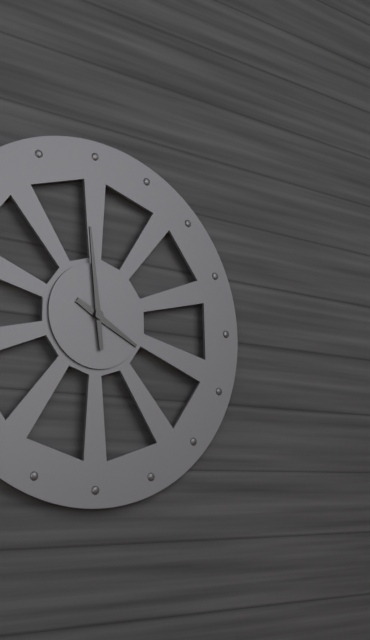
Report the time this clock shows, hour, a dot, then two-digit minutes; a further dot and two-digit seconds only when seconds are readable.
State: 3.59
